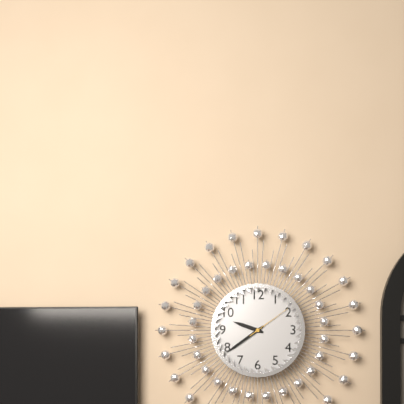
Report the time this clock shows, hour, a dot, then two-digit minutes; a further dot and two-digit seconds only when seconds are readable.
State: 9.39
